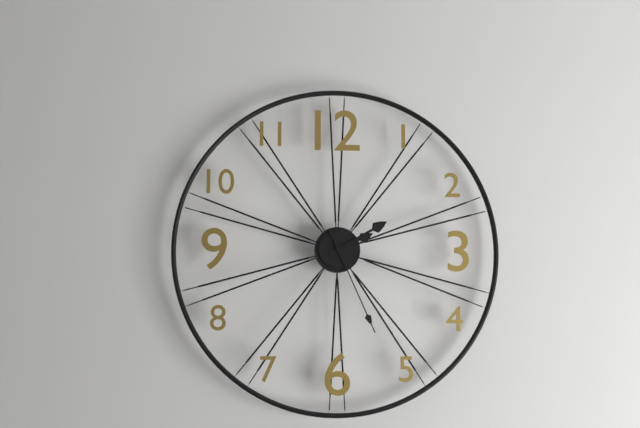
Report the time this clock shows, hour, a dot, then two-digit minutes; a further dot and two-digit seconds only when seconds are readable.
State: 2.10.26
